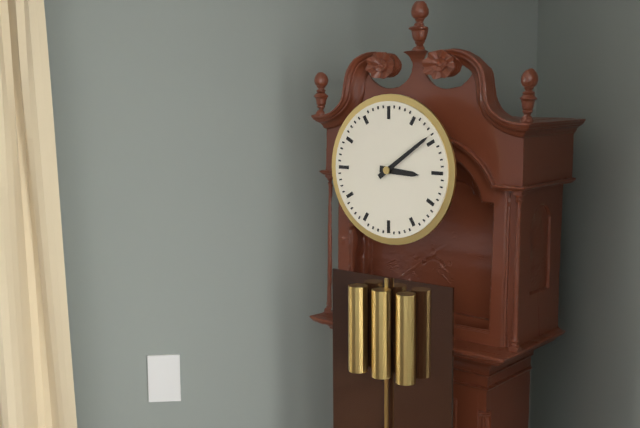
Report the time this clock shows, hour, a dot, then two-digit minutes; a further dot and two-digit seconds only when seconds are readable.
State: 3.09
